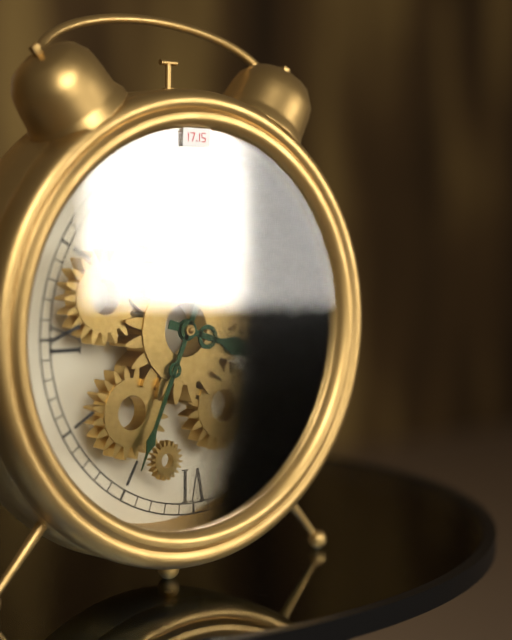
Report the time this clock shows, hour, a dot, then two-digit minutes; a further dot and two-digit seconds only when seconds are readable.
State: 3.34
